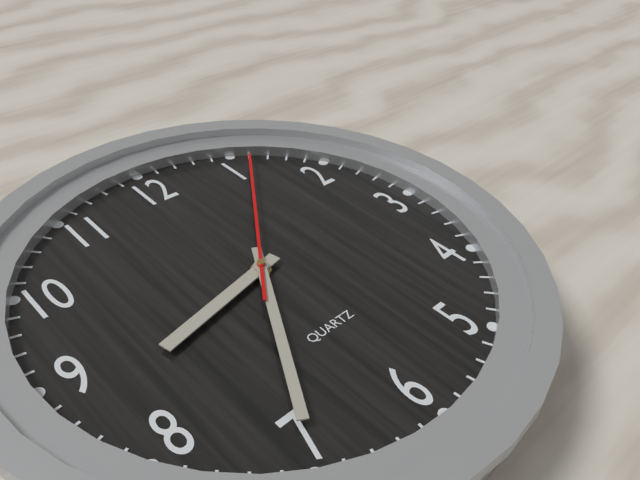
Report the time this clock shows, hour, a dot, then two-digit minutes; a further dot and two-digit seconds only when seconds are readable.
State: 8.35.06
